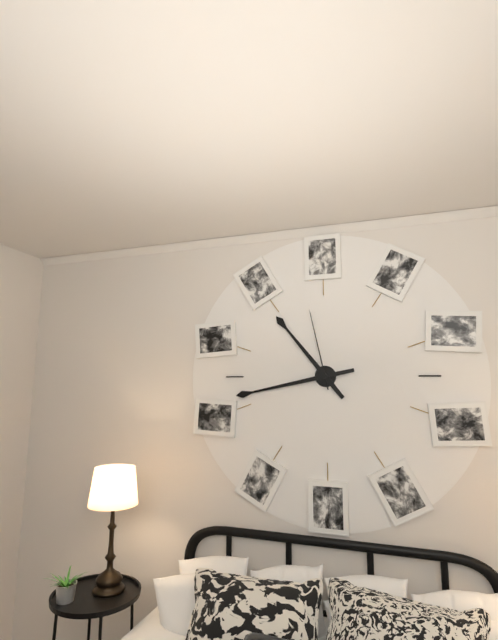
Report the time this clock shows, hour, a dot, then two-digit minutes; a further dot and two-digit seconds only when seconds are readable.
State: 10.43.58
